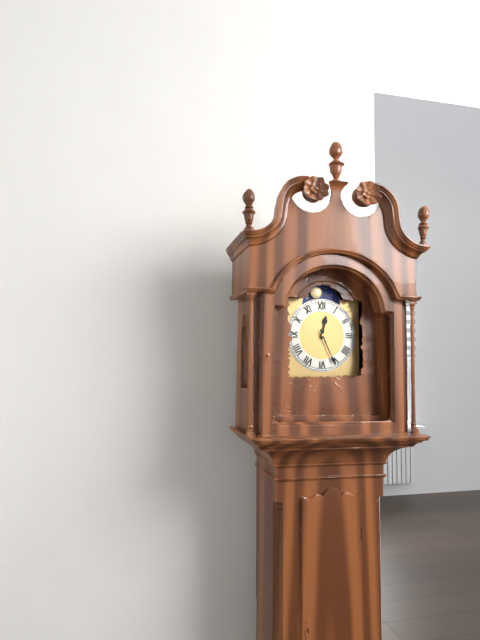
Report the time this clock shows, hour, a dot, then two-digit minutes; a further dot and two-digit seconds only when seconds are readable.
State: 12.26
